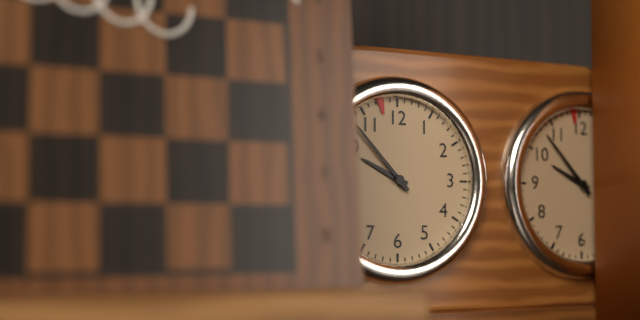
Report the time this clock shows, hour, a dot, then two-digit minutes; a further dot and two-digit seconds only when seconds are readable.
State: 9.53
